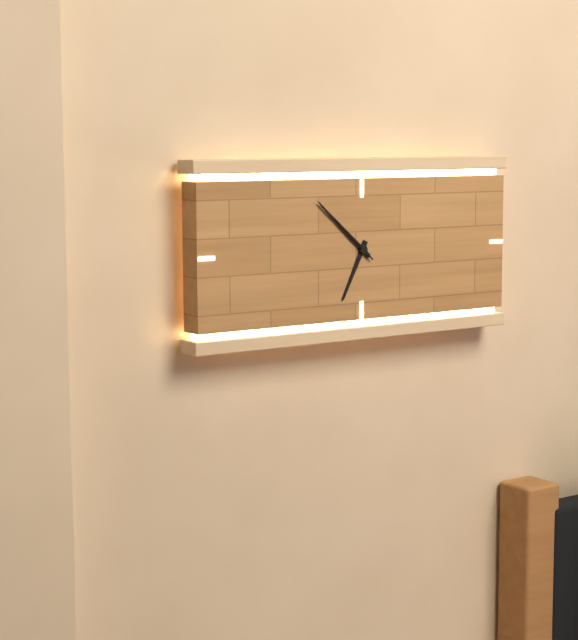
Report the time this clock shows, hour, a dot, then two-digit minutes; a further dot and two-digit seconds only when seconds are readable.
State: 6.52.52
